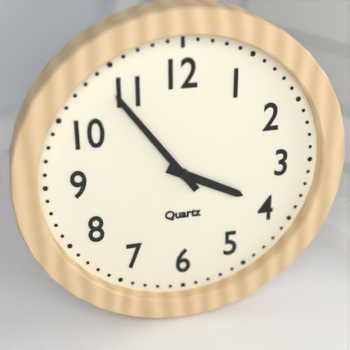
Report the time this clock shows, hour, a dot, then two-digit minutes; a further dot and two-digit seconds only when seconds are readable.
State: 3.54
